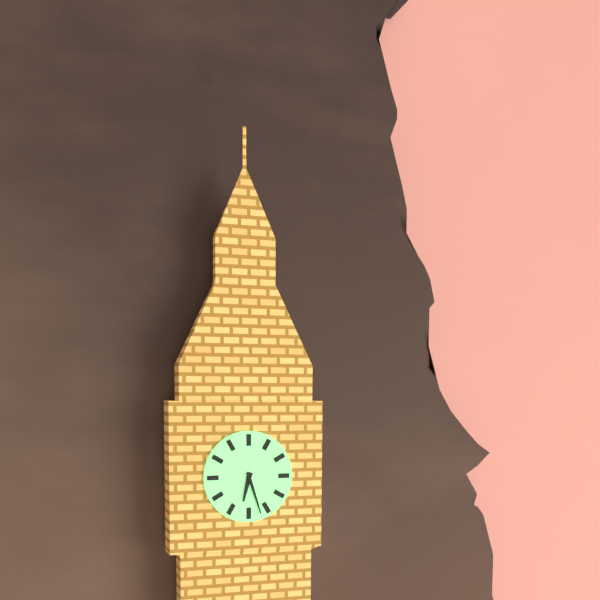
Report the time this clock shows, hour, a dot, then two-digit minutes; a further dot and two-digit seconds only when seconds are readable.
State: 6.27
